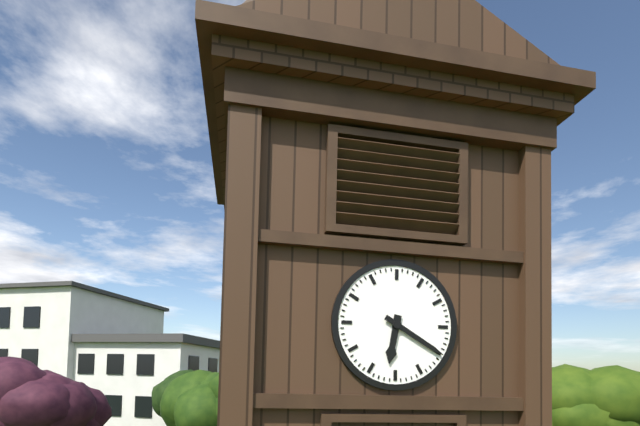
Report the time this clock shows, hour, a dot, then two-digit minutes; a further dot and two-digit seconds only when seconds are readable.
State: 6.20
